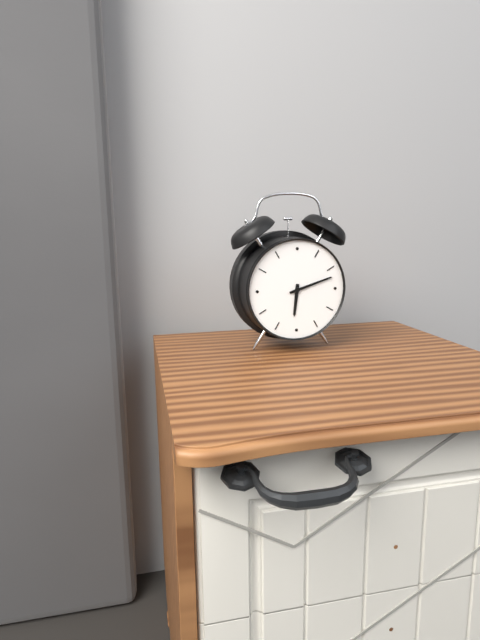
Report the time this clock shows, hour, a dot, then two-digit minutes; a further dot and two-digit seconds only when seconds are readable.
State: 6.12
